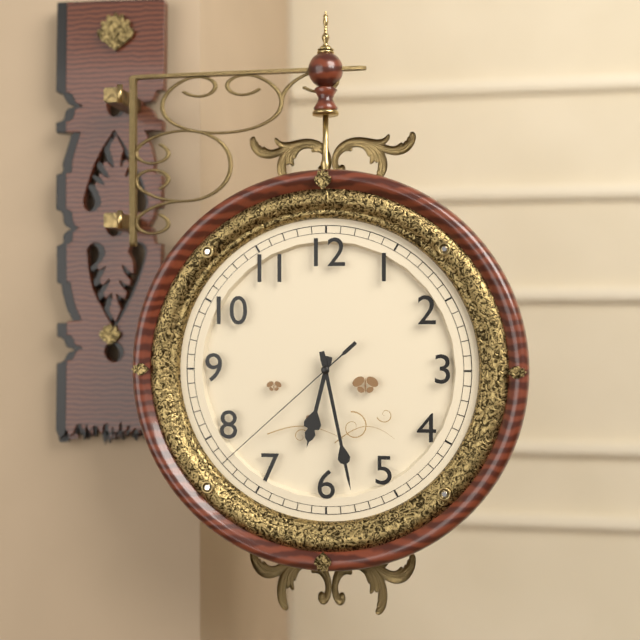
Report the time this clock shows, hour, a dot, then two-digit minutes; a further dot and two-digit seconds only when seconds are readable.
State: 6.28.38
